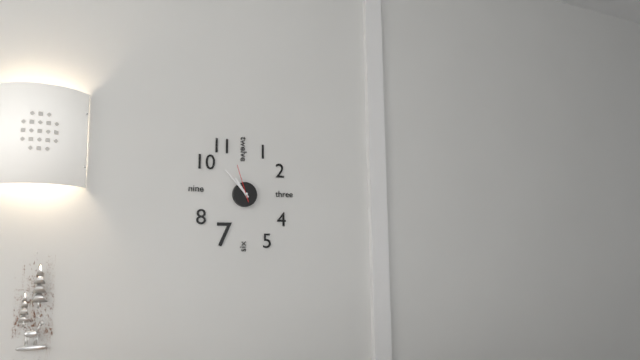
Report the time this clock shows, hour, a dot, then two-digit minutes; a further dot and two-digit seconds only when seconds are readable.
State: 10.53
